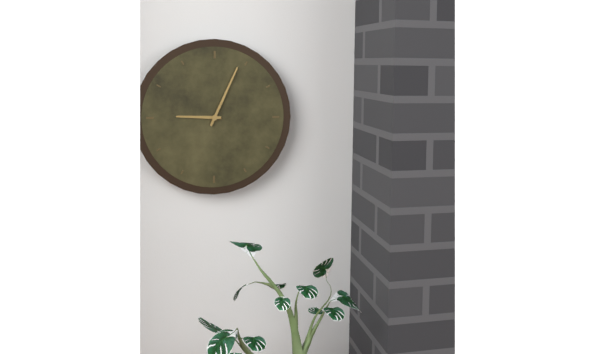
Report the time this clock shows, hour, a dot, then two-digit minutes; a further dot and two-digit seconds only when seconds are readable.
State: 9.04
